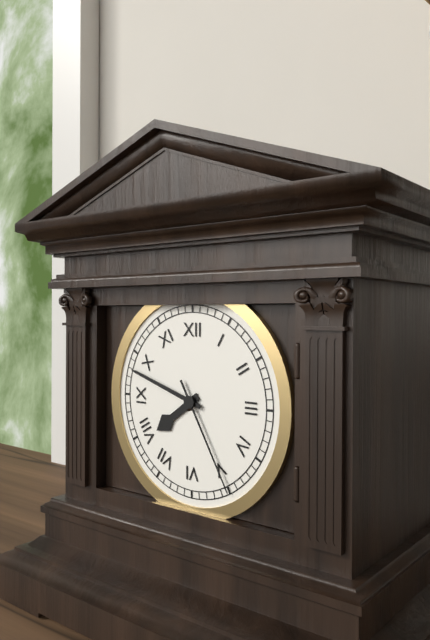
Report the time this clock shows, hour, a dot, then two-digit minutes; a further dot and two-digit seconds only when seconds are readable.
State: 7.48.25
